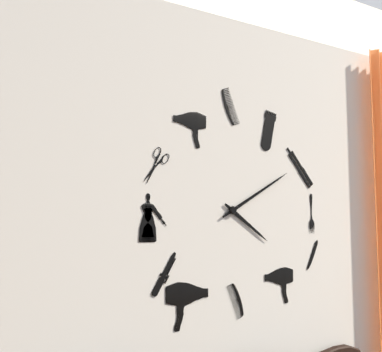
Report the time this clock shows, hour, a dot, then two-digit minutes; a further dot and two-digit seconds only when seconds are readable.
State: 4.10
